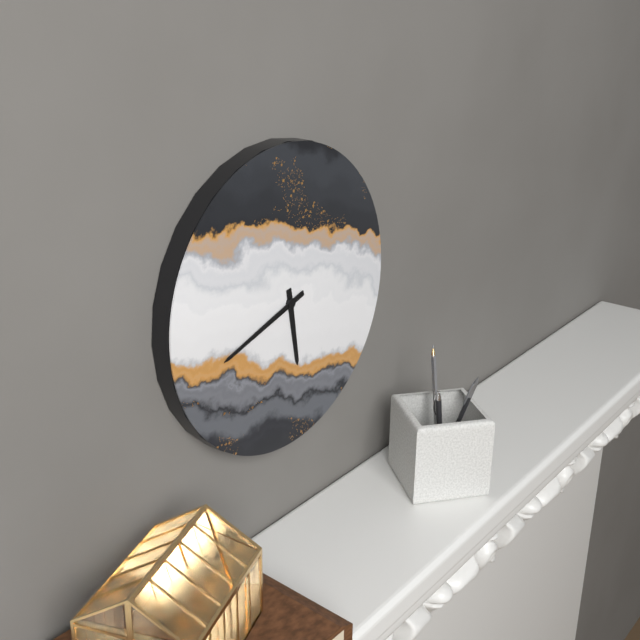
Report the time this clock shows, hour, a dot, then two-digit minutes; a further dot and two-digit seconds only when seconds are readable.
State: 5.42
